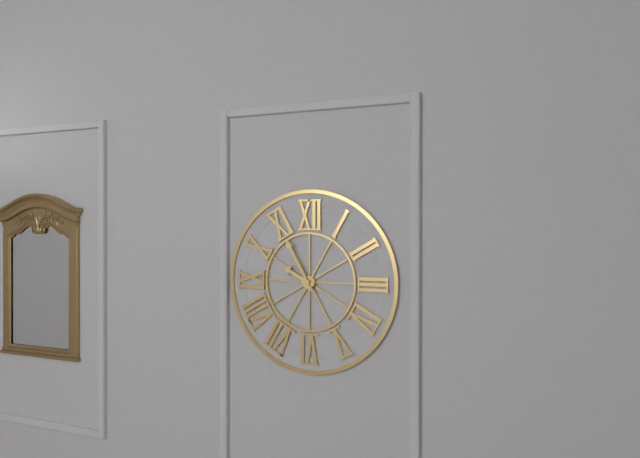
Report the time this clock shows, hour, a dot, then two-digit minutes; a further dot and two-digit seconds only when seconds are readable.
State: 9.55
